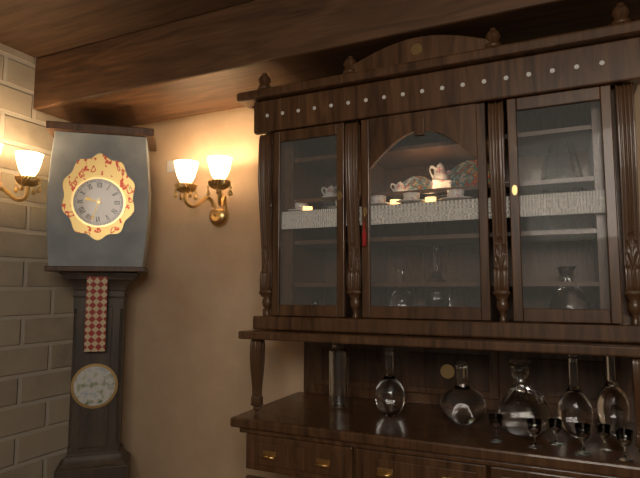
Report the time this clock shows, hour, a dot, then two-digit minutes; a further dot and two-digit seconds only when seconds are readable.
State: 9.33
